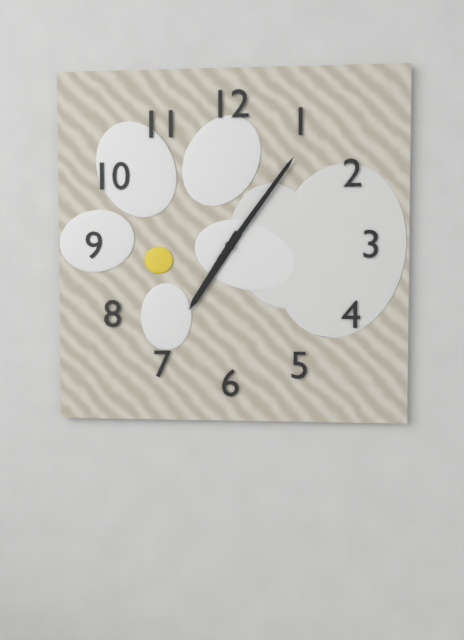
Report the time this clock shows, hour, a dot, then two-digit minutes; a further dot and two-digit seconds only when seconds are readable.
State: 7.06
